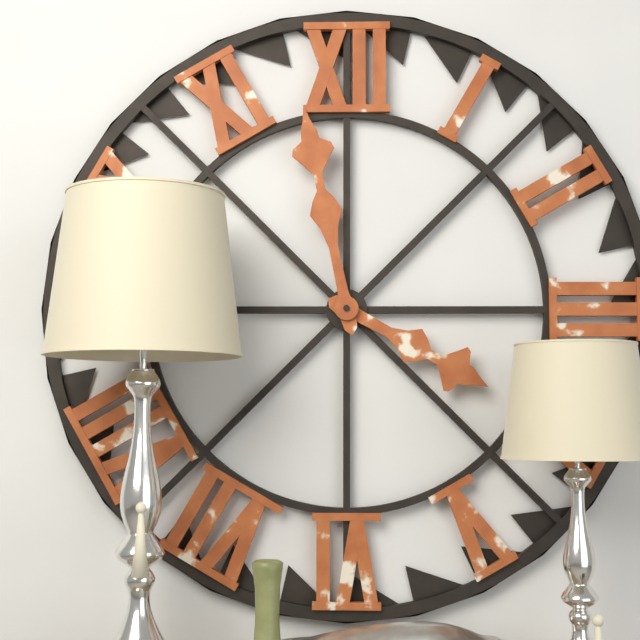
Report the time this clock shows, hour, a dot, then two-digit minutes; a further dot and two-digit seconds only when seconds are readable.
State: 3.58
